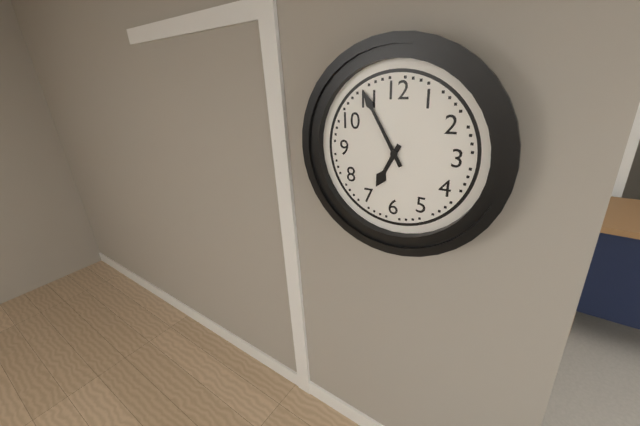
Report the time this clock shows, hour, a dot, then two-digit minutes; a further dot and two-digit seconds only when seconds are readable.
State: 6.55
